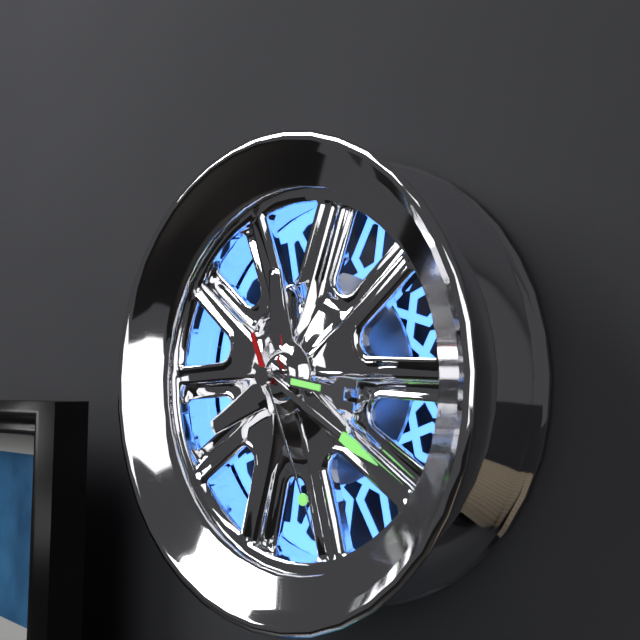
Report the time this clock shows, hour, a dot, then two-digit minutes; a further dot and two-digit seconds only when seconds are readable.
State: 3.20.26
